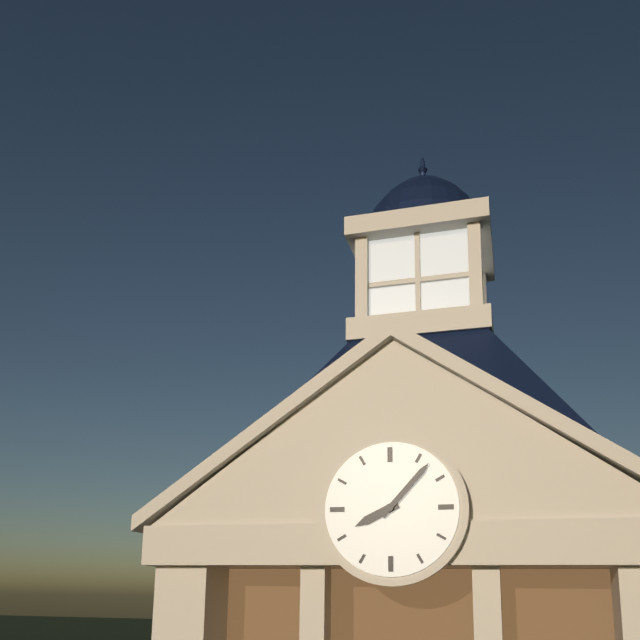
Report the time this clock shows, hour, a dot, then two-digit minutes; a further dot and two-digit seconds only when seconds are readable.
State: 8.07
